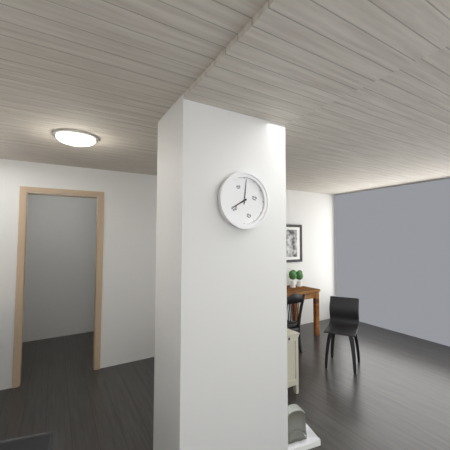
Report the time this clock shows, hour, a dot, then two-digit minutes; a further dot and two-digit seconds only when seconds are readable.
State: 8.01
